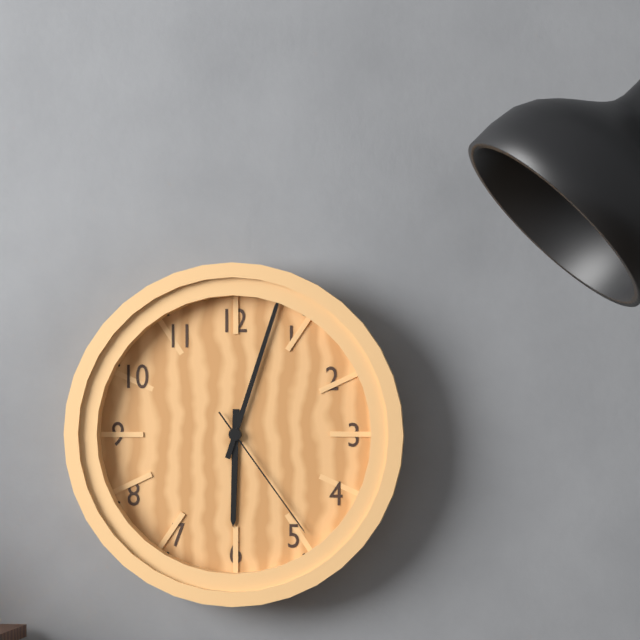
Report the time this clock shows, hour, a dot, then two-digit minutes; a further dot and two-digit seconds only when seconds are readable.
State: 6.03.24
